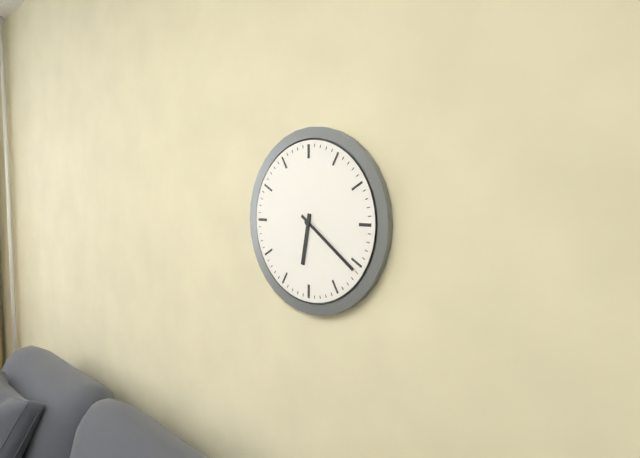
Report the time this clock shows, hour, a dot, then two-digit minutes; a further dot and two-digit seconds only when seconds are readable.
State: 6.21
